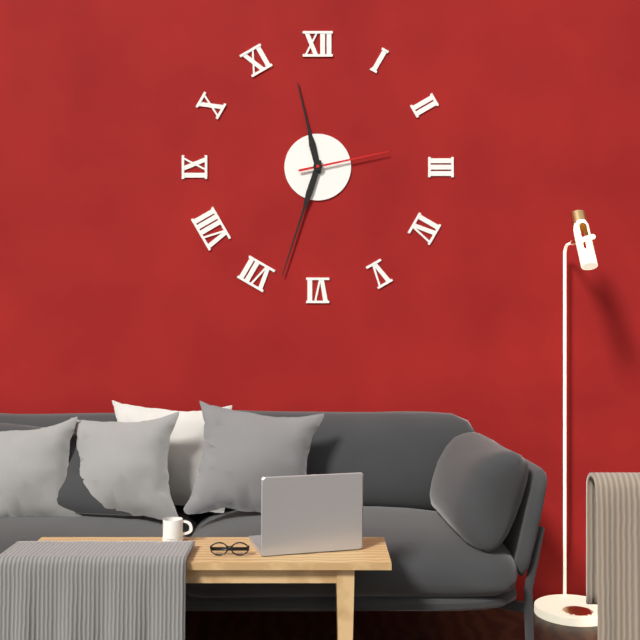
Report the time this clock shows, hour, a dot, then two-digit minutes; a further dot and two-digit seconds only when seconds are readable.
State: 11.33.13
